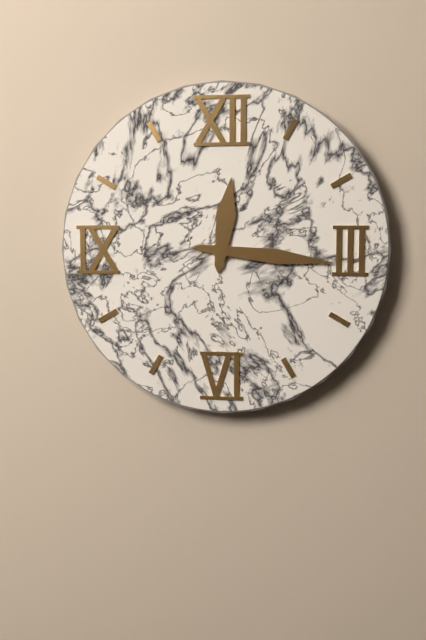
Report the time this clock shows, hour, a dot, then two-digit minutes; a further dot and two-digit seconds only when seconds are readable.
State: 12.16
